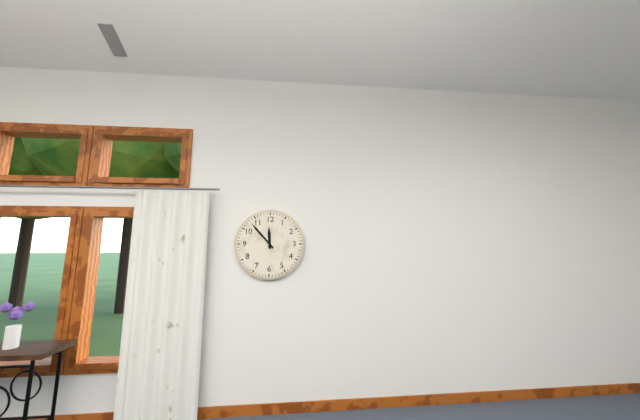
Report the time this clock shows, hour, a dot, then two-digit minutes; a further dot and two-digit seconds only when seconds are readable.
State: 11.53
